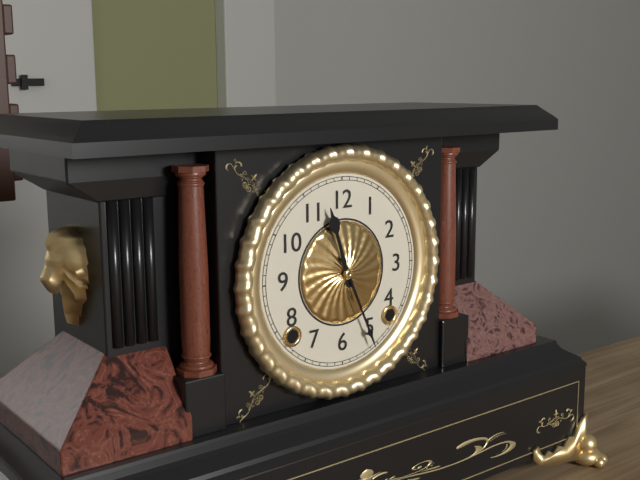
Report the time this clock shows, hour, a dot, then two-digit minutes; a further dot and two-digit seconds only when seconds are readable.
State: 11.26
